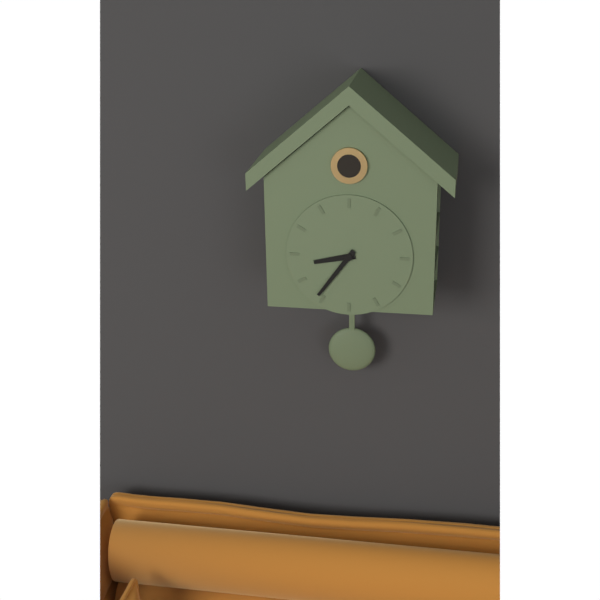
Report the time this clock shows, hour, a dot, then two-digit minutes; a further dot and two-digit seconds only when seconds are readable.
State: 8.36
